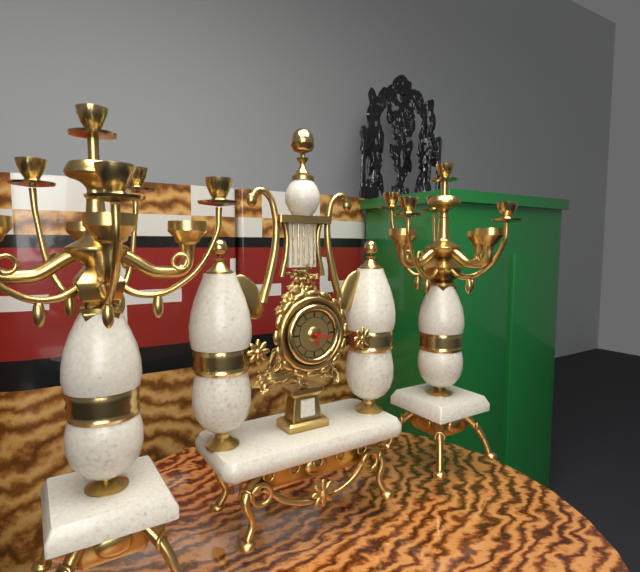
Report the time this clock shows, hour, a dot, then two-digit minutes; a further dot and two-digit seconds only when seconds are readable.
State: 5.17
